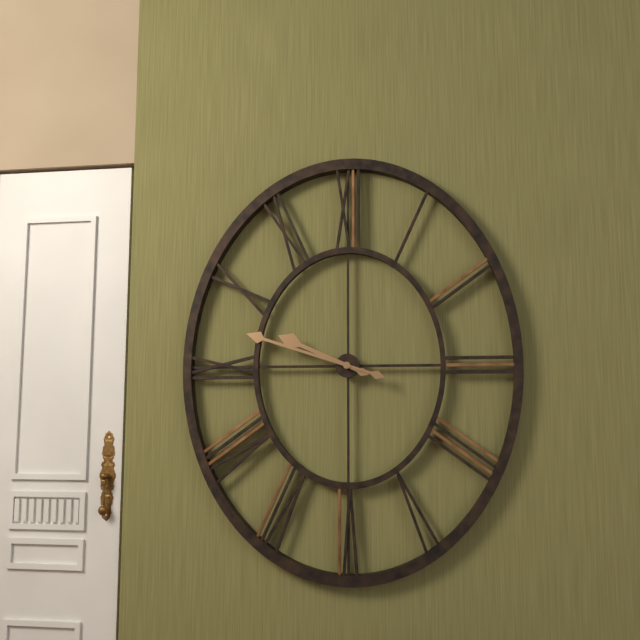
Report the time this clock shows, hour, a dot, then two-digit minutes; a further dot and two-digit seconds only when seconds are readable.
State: 9.48
